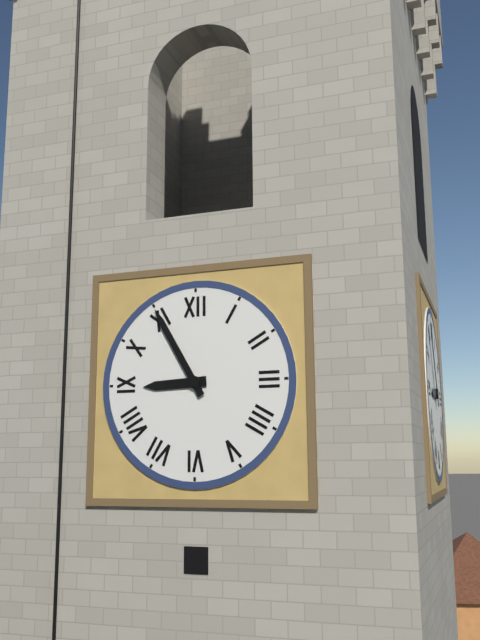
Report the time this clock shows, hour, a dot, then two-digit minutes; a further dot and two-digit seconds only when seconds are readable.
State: 8.55
